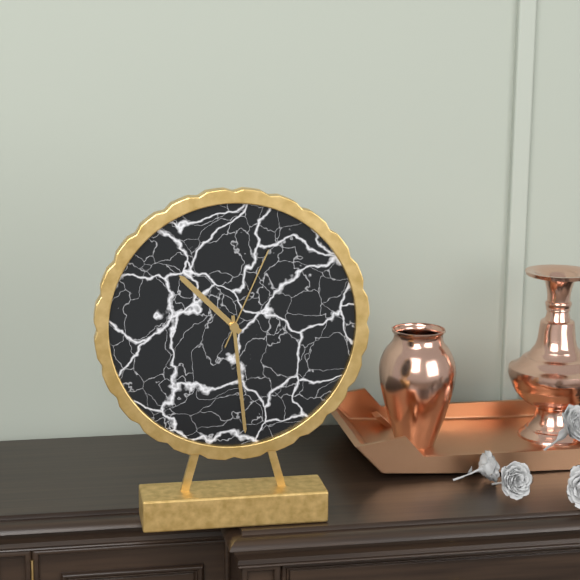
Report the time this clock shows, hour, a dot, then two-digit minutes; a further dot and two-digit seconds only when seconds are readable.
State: 10.29.04
